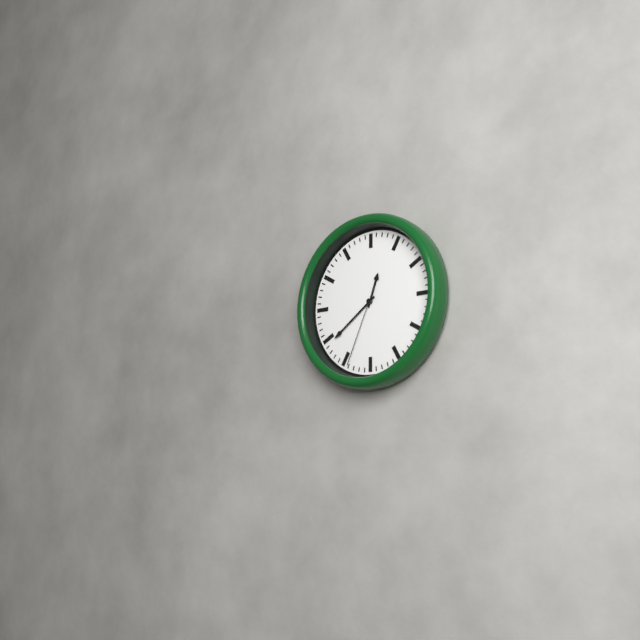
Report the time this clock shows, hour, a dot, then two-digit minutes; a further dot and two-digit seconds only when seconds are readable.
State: 12.39.34
